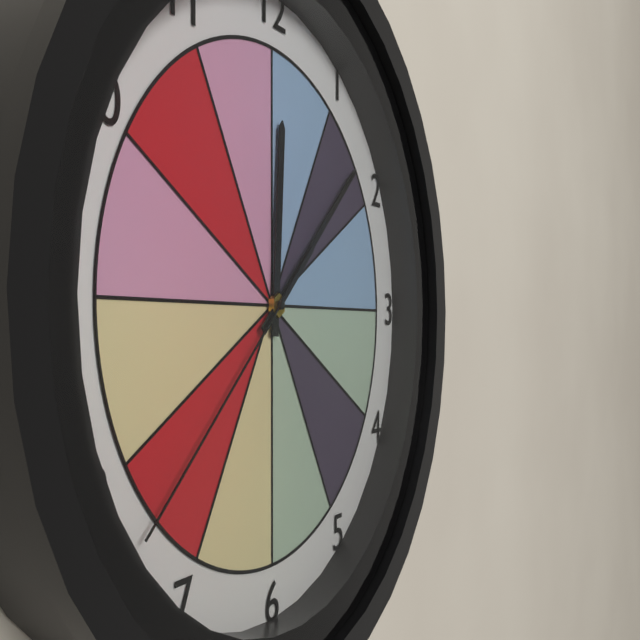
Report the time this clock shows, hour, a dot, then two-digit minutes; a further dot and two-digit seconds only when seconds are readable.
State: 12.08.38
